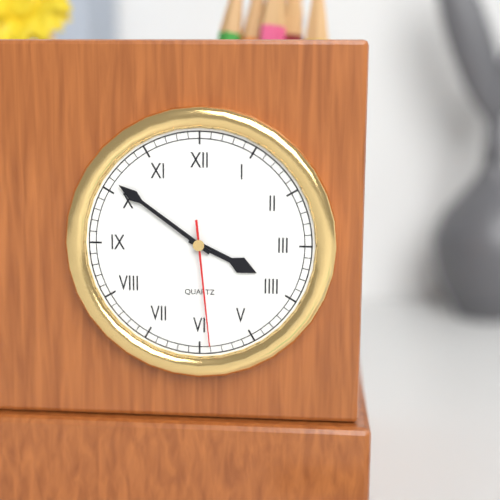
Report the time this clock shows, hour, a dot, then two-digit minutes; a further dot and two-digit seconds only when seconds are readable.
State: 3.51.29
